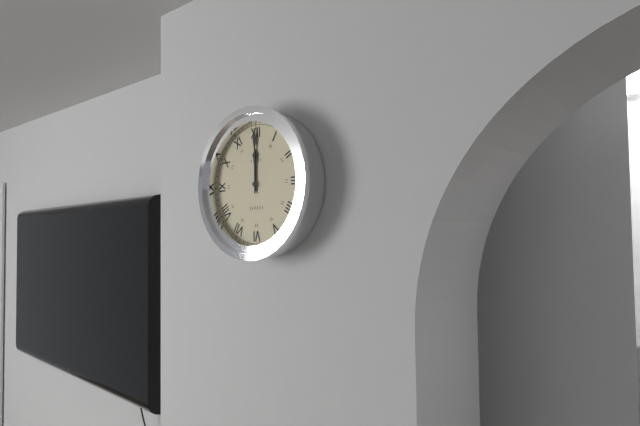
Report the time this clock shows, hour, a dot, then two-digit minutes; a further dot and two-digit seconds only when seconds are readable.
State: 12.00
